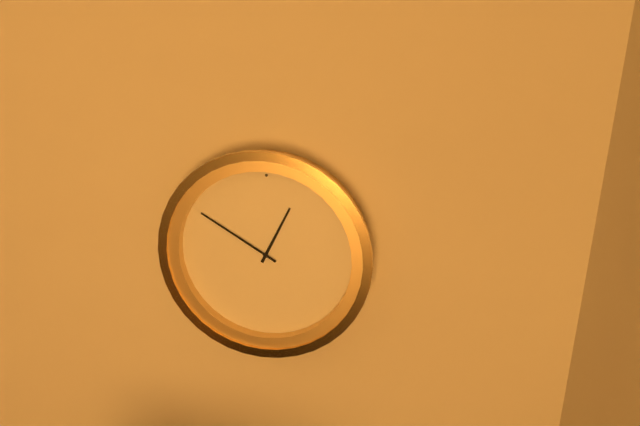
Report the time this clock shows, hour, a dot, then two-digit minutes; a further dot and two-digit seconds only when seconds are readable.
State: 12.50
